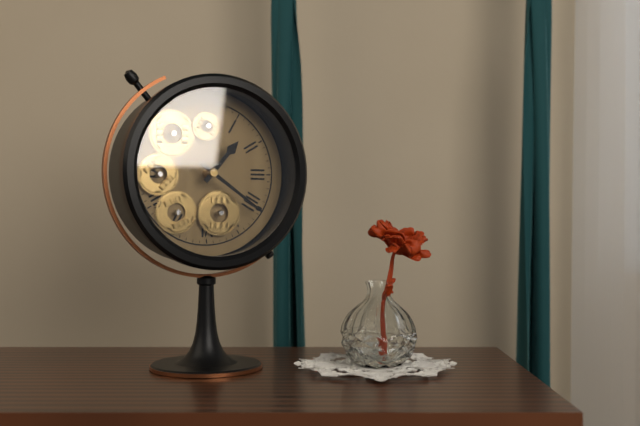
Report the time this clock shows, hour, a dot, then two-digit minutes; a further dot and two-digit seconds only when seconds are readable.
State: 1.21
